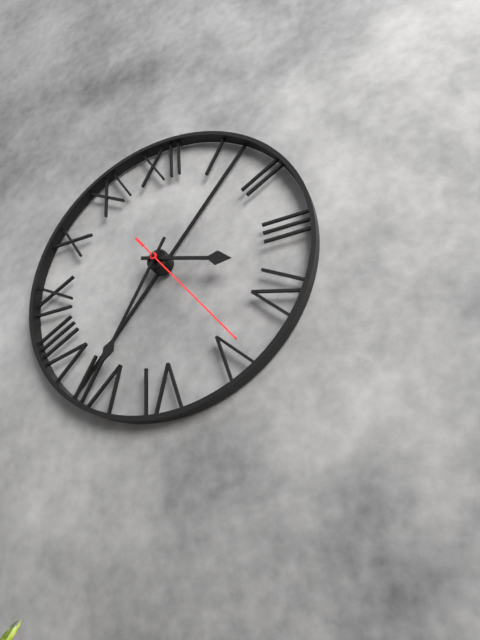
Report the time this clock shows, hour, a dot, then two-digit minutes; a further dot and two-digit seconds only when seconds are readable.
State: 3.35.24
